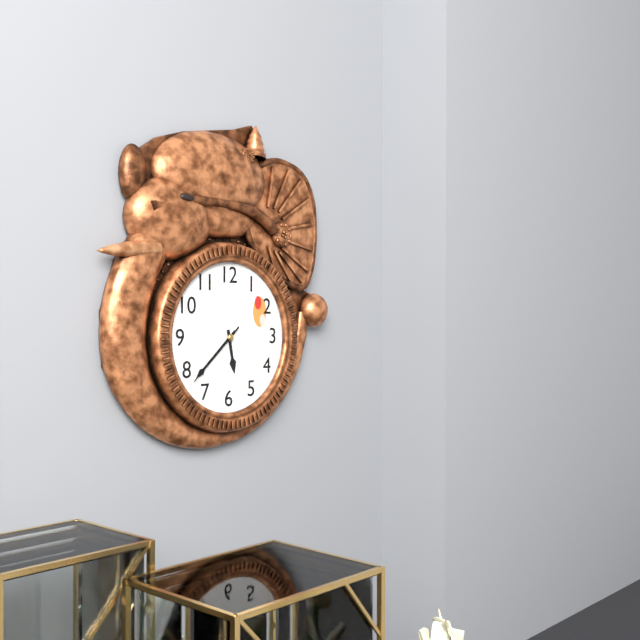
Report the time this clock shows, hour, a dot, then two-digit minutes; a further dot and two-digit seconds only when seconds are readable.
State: 5.38.38
